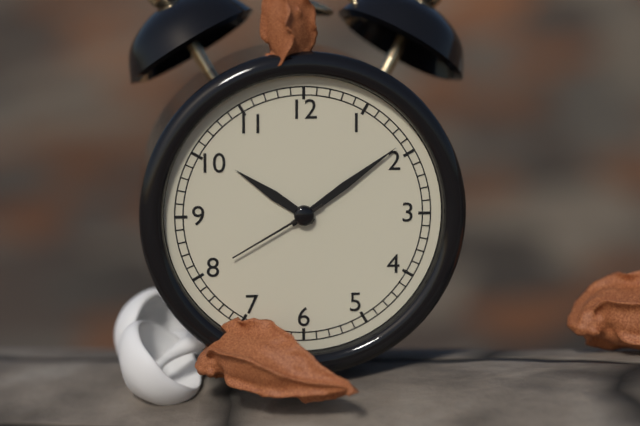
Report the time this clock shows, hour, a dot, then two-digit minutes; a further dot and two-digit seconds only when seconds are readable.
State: 10.09.40
